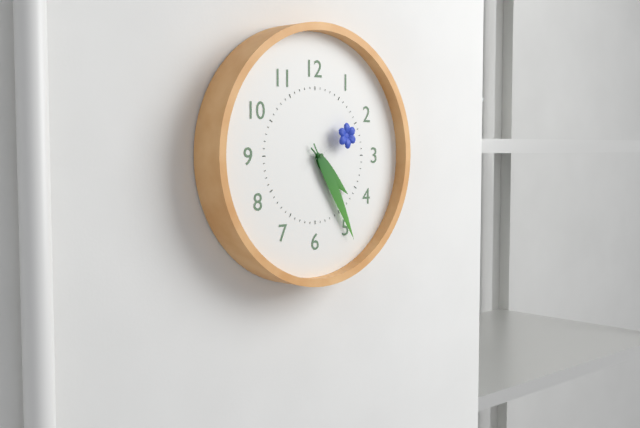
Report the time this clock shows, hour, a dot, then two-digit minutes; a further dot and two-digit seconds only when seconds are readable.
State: 4.25.10
